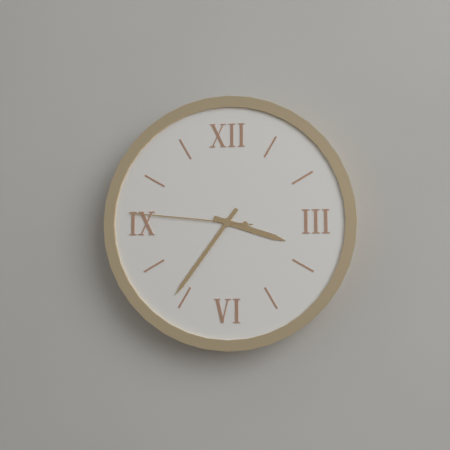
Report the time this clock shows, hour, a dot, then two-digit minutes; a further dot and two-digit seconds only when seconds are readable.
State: 3.36.46
